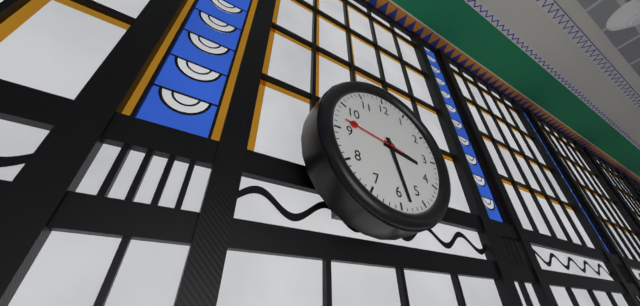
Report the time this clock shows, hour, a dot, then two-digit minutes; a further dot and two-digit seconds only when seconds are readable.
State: 3.28.47
